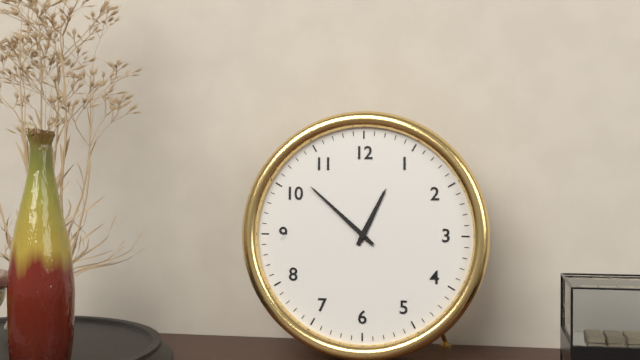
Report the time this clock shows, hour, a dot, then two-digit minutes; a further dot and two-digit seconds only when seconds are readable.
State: 12.52
